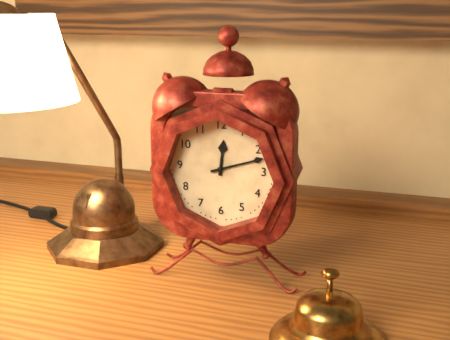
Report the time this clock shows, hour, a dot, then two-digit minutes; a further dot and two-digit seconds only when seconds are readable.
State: 12.12
